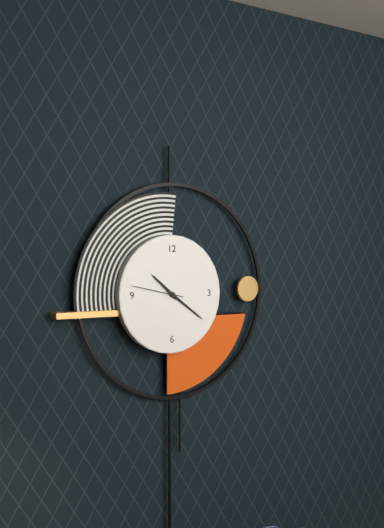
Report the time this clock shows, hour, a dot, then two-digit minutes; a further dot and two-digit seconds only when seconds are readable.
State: 10.21.47
